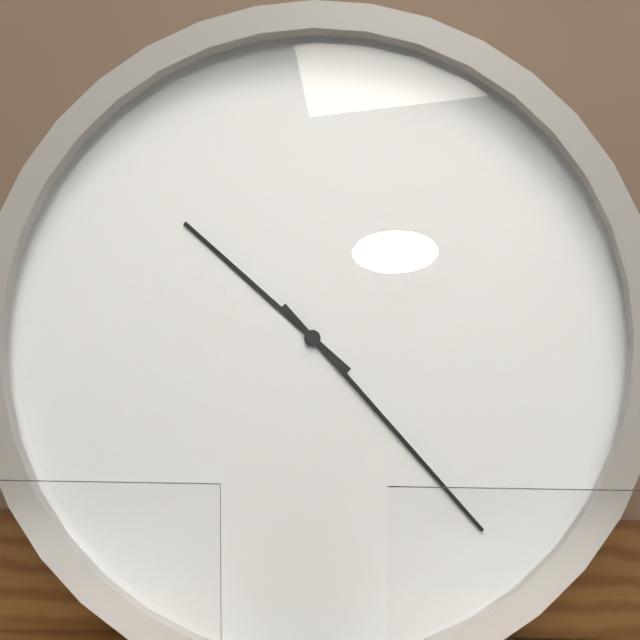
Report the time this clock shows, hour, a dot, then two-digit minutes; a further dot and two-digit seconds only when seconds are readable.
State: 10.23
